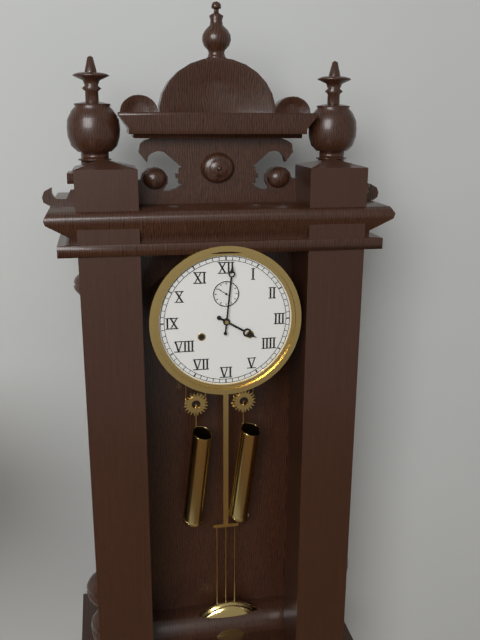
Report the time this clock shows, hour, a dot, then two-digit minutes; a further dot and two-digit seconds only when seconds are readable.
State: 4.01
